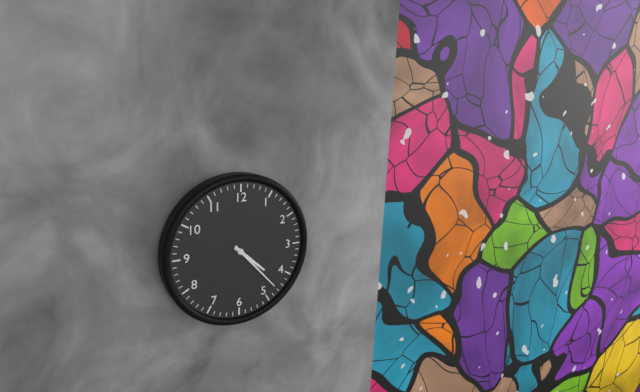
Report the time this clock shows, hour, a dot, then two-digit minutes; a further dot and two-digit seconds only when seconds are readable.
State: 4.23
